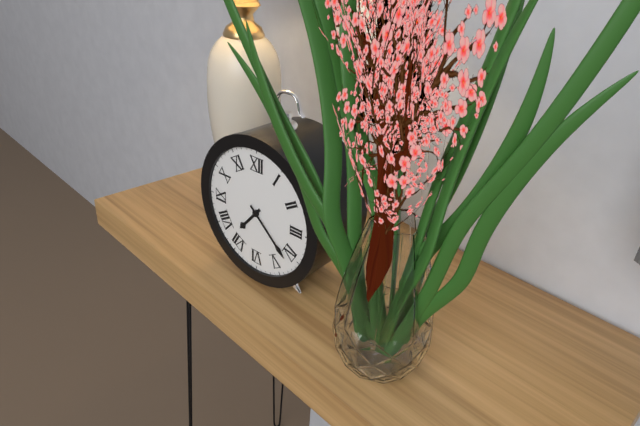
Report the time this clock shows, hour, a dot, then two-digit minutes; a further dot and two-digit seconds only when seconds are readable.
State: 7.22
